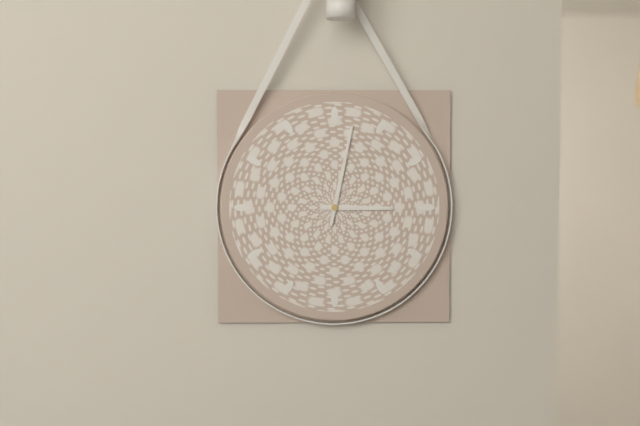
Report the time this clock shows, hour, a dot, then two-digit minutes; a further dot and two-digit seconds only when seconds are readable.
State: 3.02
